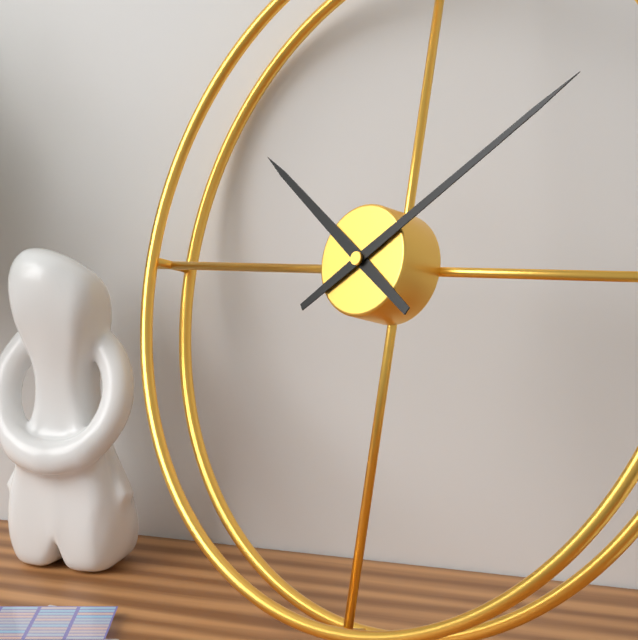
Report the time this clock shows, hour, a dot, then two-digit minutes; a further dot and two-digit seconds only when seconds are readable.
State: 10.09
